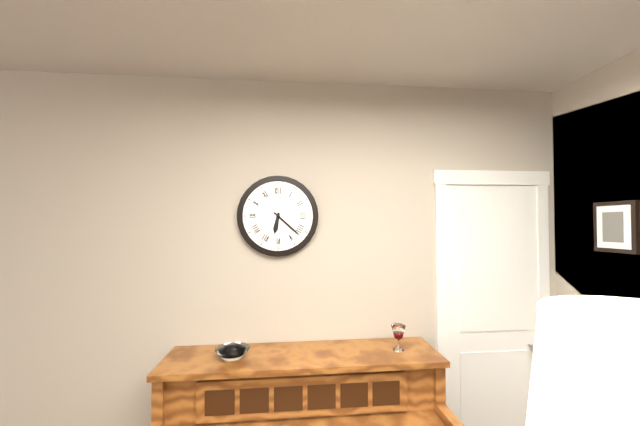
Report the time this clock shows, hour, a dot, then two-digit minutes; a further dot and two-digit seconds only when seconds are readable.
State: 6.22
